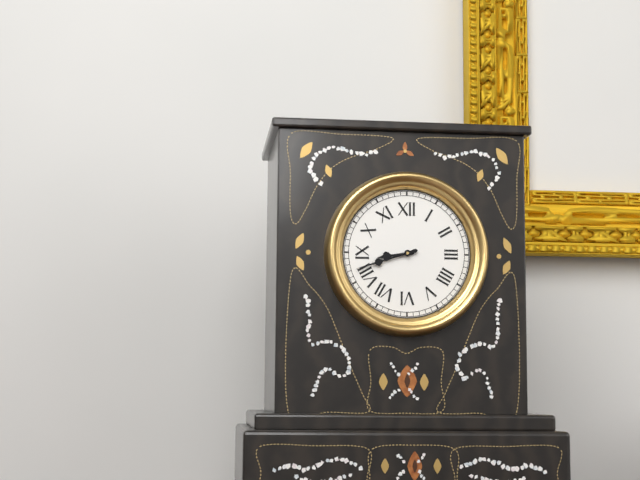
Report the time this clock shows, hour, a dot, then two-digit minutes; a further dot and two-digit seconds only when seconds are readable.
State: 8.42
